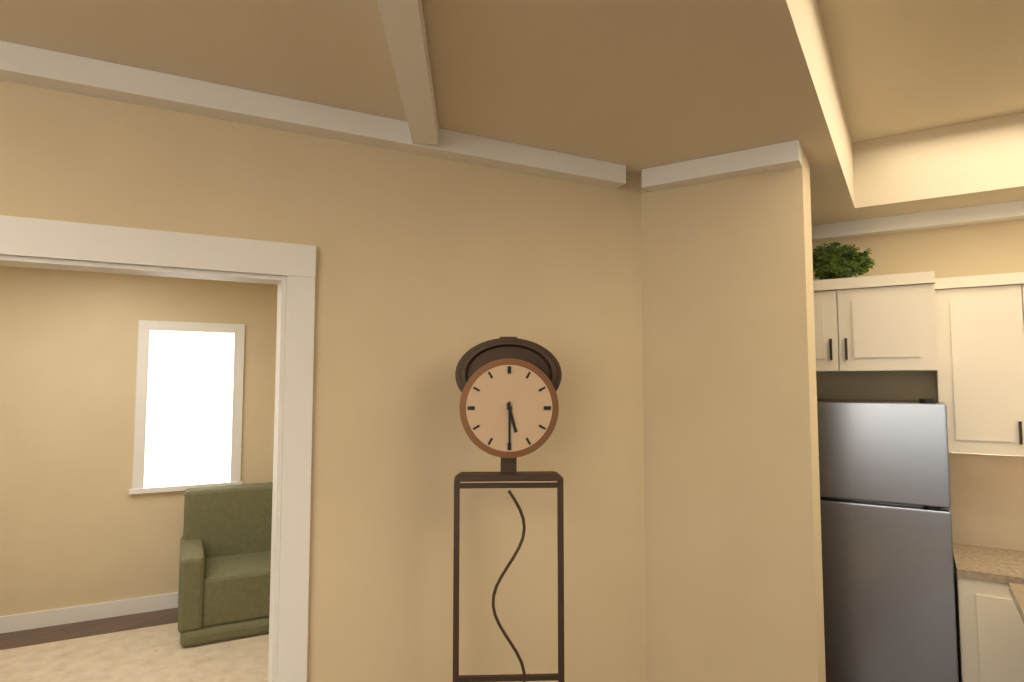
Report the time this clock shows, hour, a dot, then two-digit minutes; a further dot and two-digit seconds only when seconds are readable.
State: 5.30
